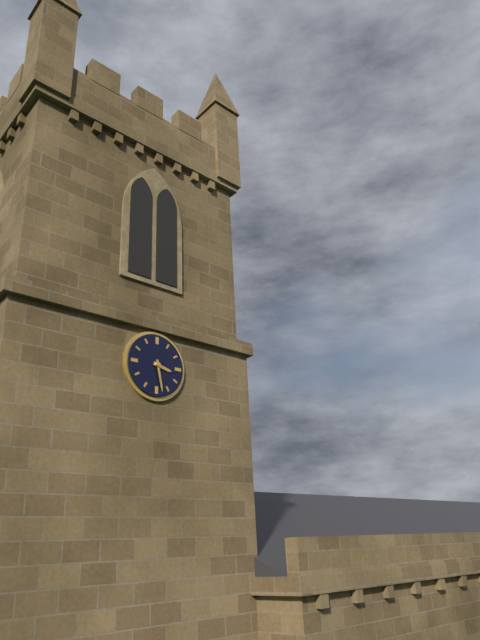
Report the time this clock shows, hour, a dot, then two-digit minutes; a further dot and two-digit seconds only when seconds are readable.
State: 3.28
